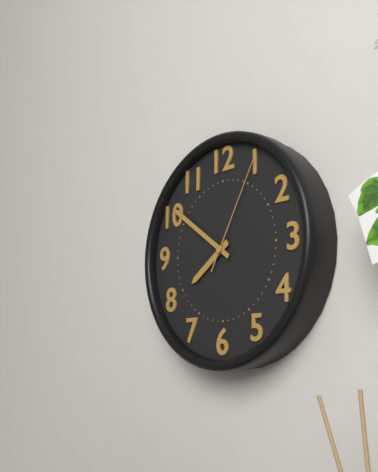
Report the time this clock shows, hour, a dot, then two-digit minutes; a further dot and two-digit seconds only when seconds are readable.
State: 7.51.05
